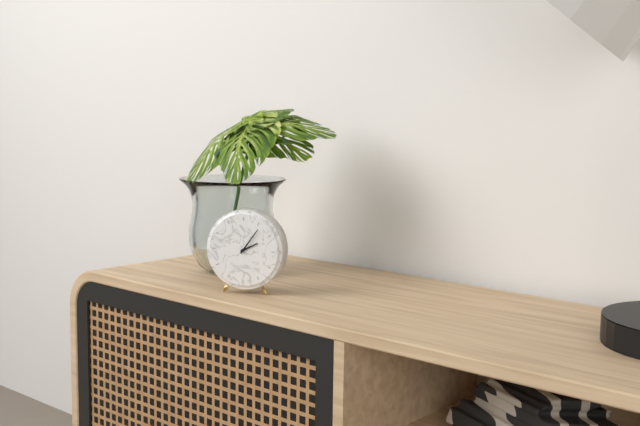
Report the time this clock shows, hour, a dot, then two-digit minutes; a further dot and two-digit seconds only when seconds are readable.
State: 2.06
